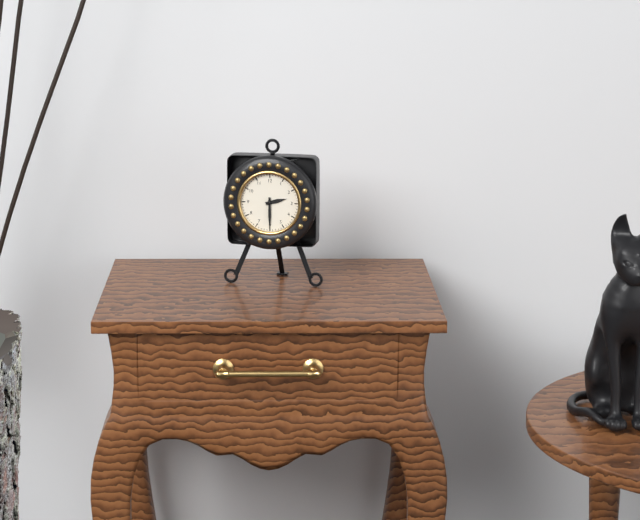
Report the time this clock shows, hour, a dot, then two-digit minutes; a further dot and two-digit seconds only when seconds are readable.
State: 2.30
